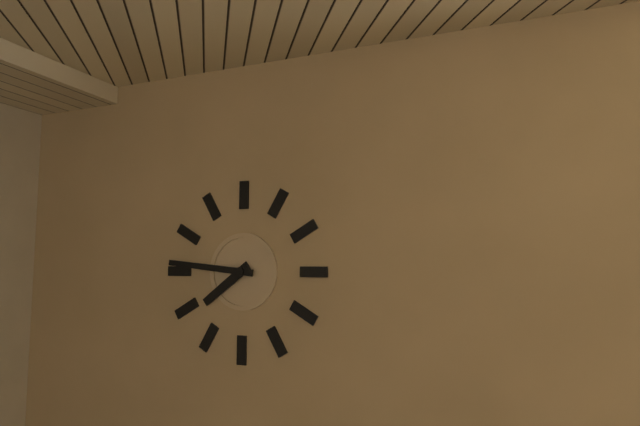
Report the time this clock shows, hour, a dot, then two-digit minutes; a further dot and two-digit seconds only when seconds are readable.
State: 7.46
